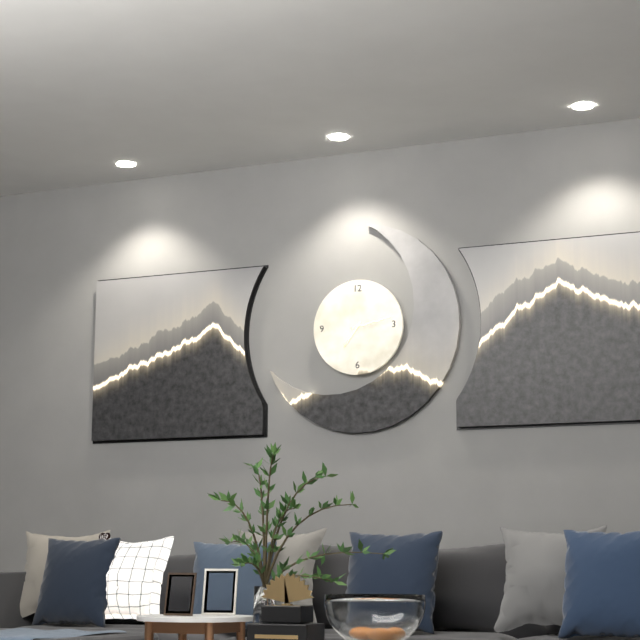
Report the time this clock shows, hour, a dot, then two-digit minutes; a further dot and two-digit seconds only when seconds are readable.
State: 7.13
